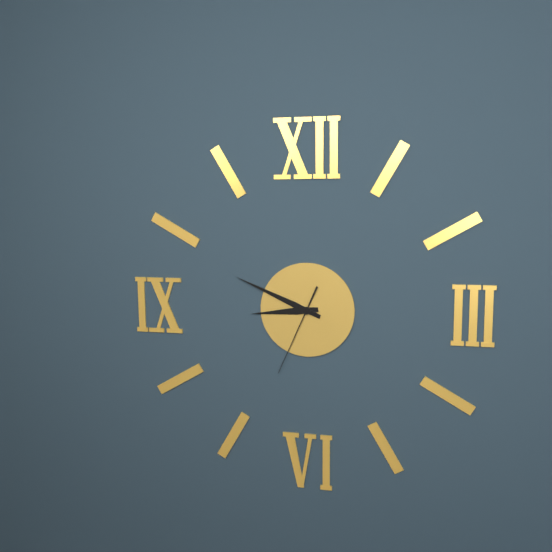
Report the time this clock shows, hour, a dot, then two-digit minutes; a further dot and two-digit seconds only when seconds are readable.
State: 8.49.34
